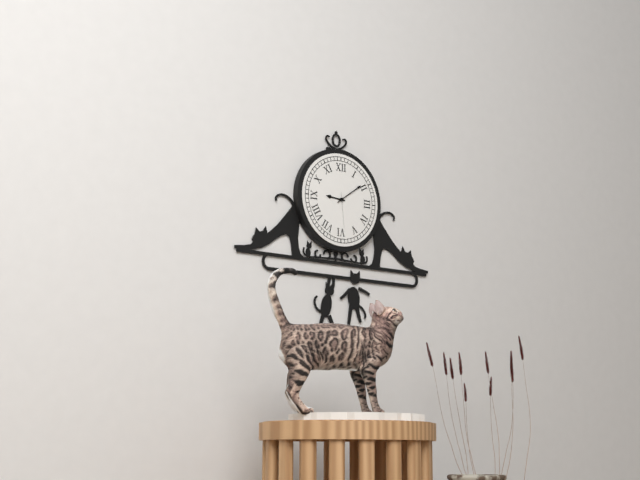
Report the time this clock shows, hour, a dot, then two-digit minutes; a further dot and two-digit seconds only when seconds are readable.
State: 9.09
